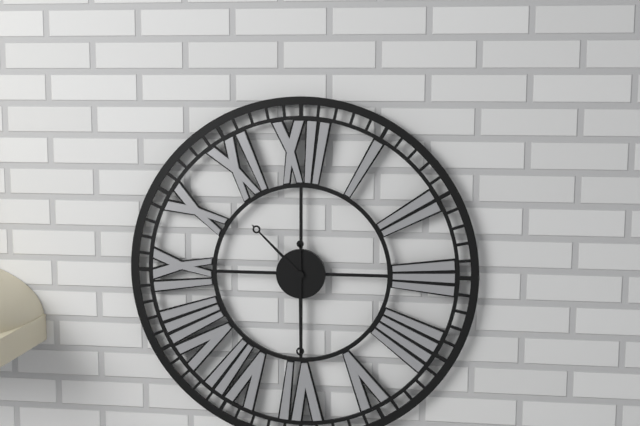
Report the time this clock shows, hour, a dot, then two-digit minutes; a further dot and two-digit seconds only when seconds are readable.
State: 10.30
